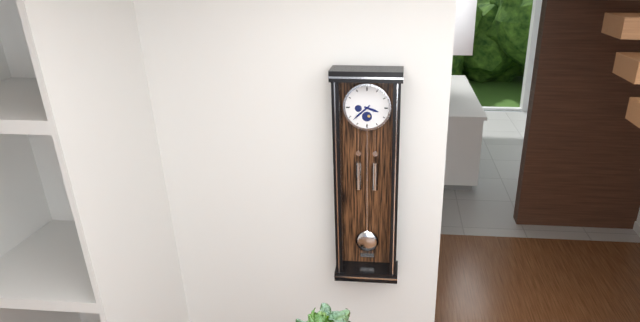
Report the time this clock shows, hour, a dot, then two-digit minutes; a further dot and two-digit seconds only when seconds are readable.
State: 3.38
